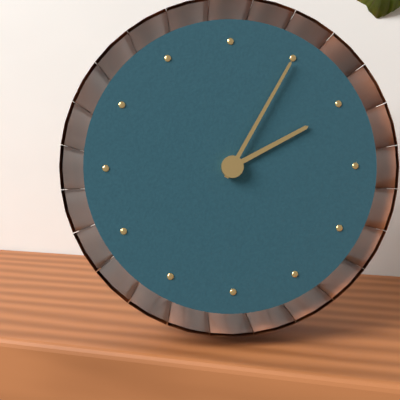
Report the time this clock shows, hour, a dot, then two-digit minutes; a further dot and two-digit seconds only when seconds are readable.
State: 2.05
